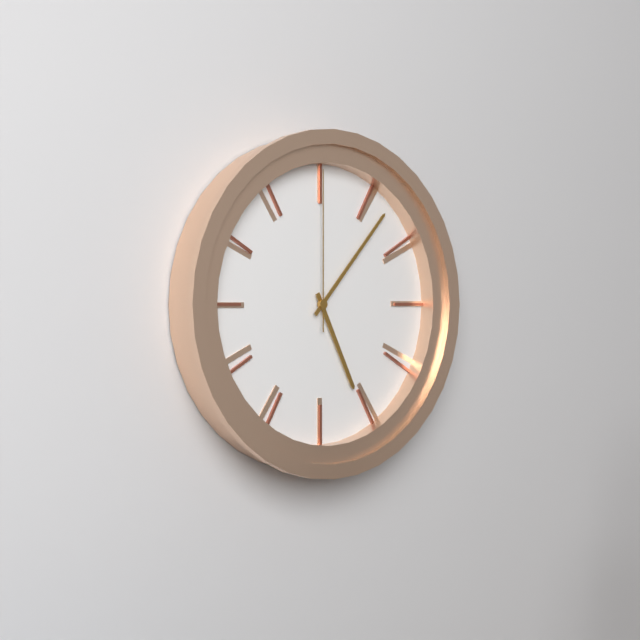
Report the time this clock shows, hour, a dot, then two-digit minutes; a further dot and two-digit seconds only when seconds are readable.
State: 5.07.00
